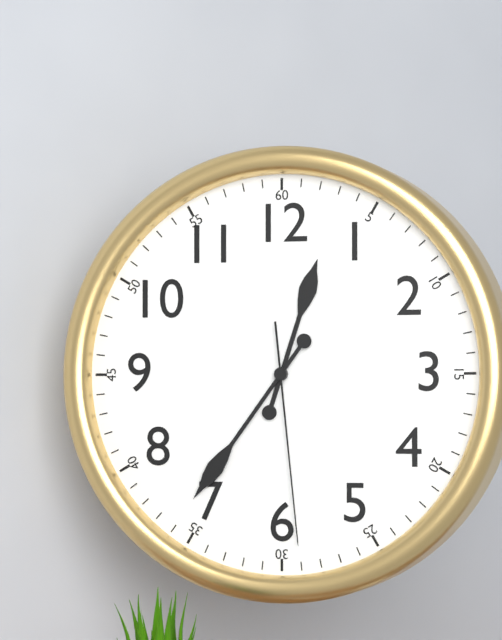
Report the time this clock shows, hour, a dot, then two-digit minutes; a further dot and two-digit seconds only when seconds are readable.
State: 12.36.29
